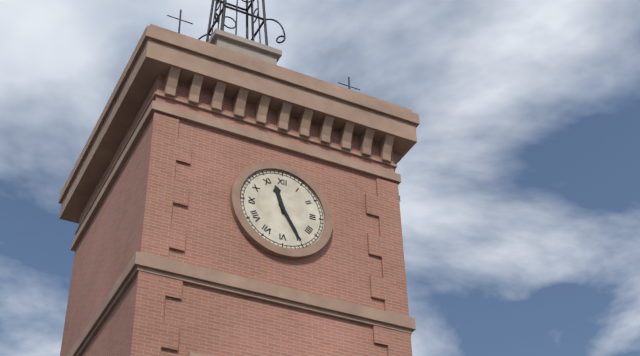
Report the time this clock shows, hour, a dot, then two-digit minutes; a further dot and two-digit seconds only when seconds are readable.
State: 11.25
